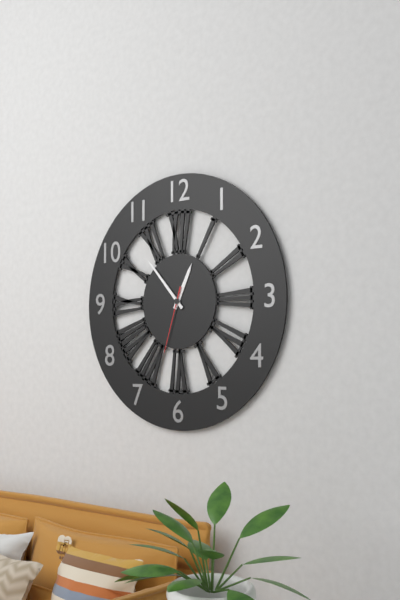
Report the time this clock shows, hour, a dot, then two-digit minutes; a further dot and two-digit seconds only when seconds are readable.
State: 12.53.33
